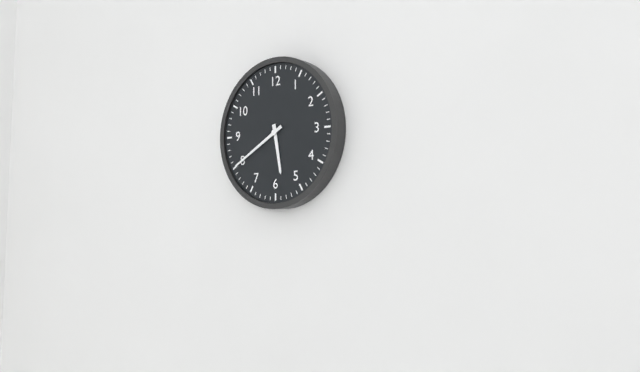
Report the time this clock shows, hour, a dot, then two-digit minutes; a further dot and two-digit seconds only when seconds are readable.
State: 5.40
